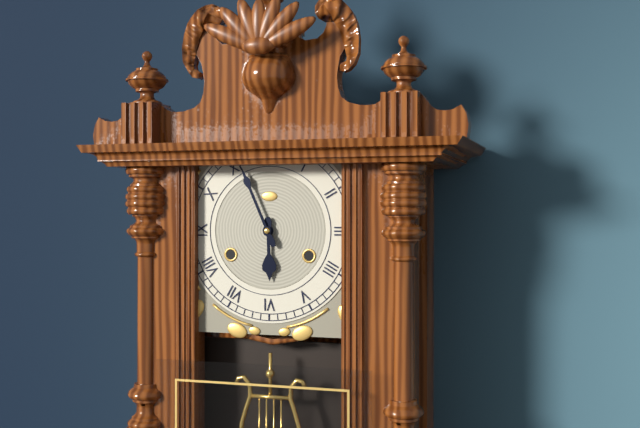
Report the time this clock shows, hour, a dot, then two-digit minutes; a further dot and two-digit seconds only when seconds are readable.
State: 5.56
